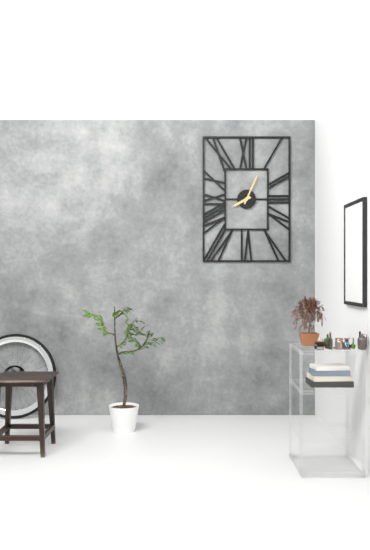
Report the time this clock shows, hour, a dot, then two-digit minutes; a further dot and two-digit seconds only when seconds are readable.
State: 8.04
